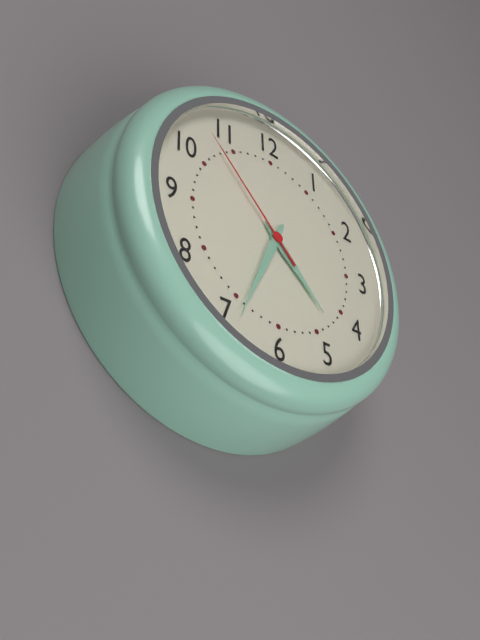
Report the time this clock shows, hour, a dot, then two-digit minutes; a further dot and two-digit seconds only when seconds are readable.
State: 4.34.53
